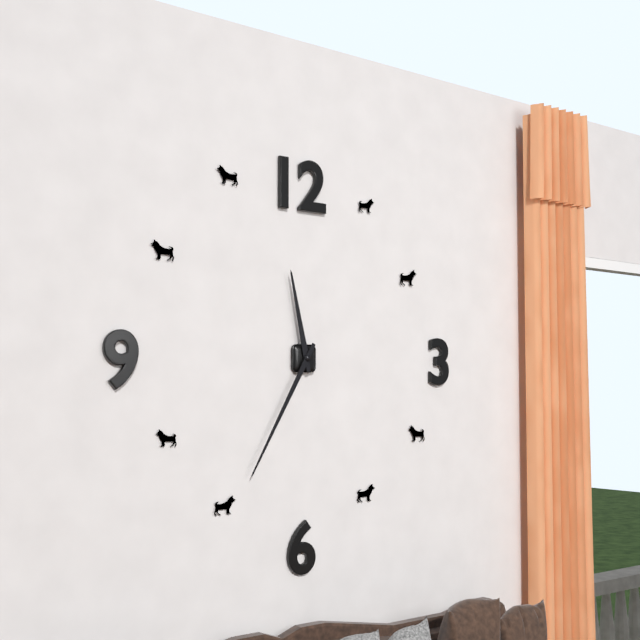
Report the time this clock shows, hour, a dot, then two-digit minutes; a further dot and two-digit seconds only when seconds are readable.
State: 11.35
